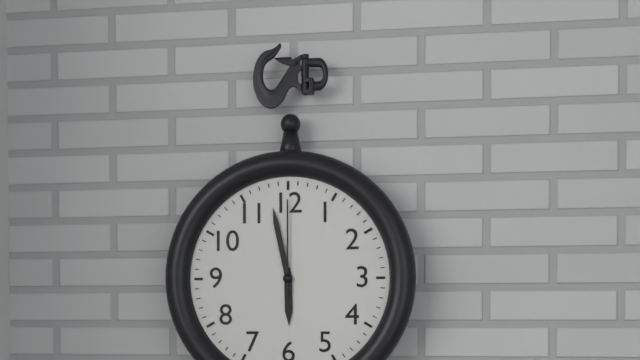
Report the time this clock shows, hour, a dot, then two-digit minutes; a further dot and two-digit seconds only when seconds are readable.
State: 5.58.00
